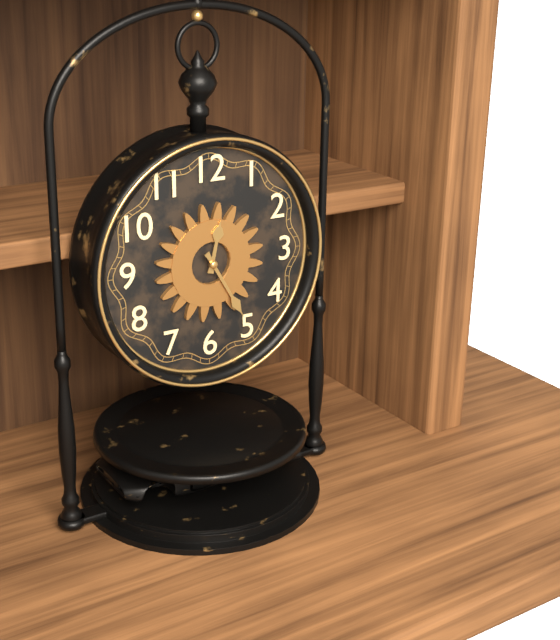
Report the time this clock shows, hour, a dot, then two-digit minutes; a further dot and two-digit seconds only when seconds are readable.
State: 12.25
